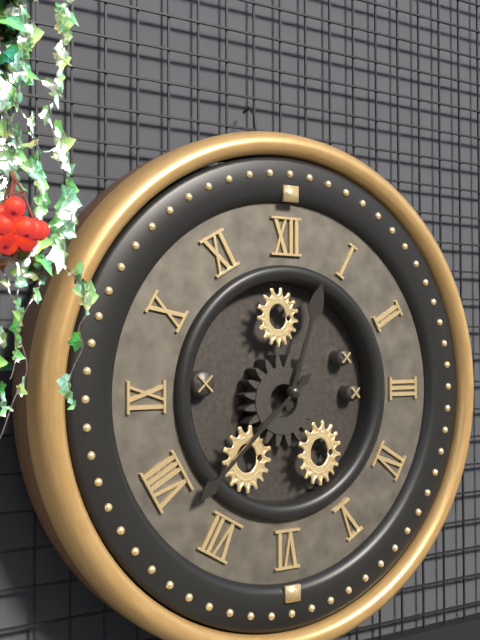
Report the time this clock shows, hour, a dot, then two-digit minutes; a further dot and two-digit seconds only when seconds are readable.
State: 12.38
